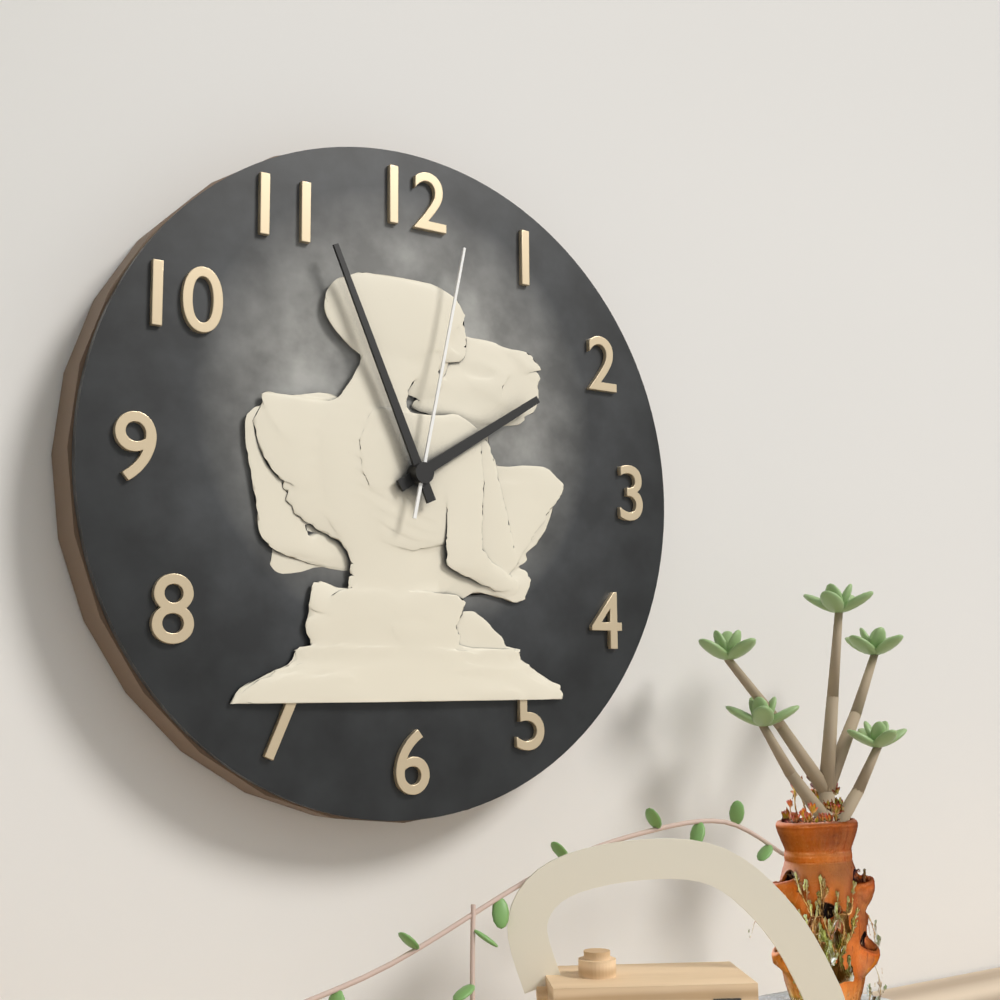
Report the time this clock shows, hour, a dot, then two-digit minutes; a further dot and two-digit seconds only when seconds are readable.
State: 1.56.02
